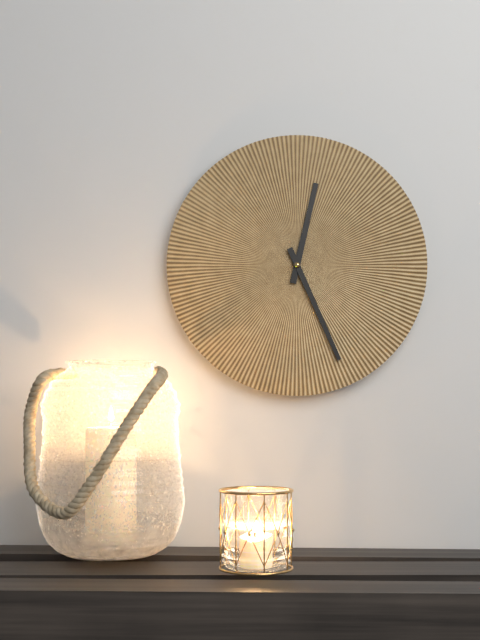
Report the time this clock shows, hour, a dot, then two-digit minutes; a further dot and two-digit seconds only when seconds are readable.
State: 12.26
